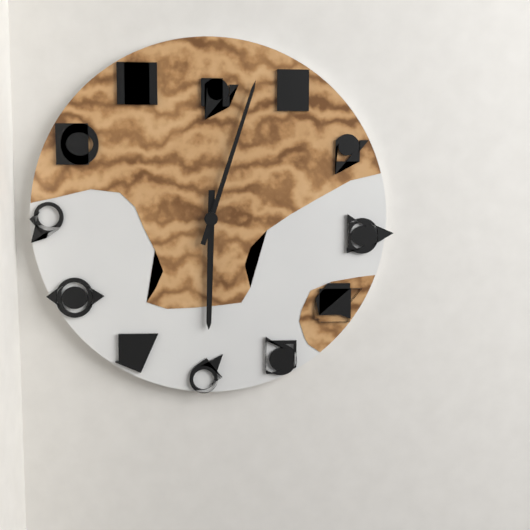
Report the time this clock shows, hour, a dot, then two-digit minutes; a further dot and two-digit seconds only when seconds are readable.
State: 6.03
